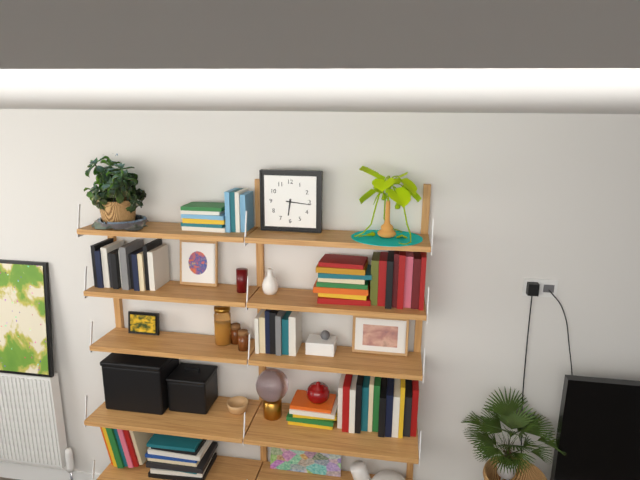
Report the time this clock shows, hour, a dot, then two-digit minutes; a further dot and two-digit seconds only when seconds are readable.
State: 6.16
